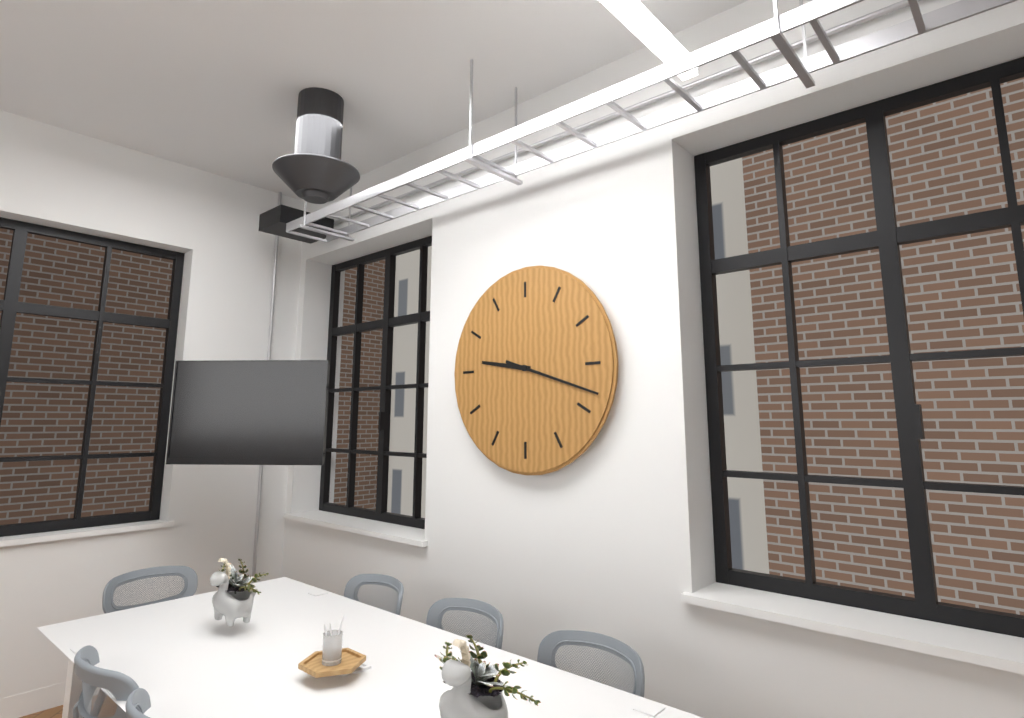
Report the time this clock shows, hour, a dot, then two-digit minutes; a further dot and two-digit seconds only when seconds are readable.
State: 9.18
